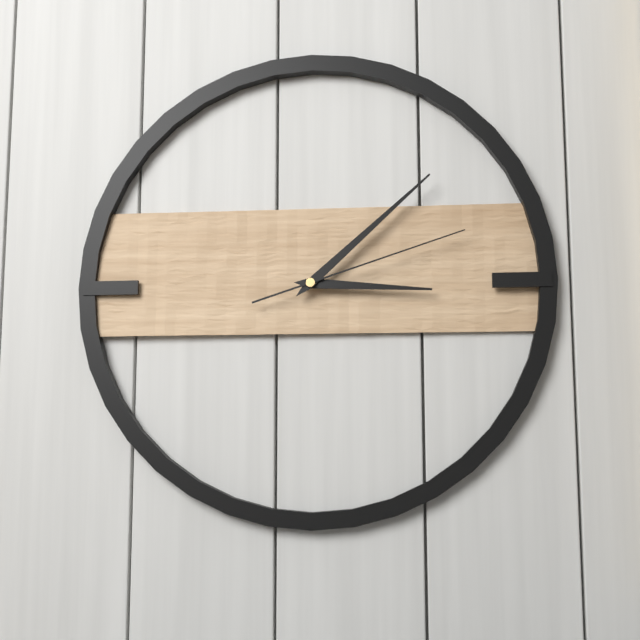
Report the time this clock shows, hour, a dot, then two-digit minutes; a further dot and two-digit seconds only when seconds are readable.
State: 3.08.12
